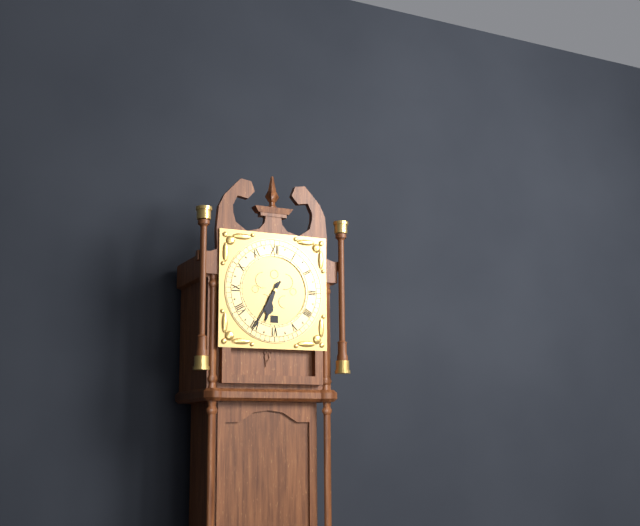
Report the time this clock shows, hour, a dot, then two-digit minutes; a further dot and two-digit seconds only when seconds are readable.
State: 6.35
